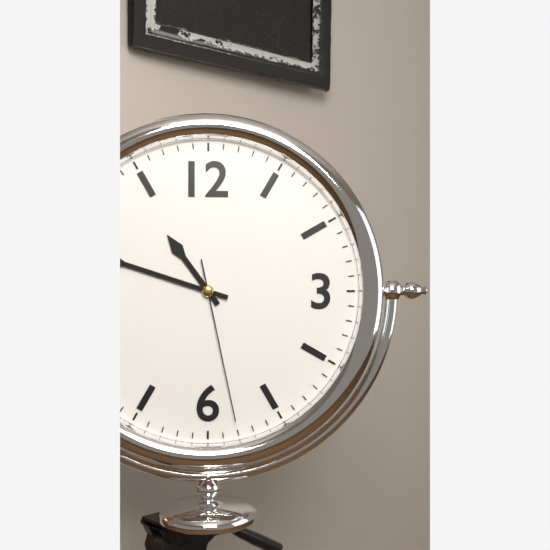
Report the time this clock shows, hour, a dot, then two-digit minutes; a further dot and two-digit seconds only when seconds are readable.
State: 10.48.28
